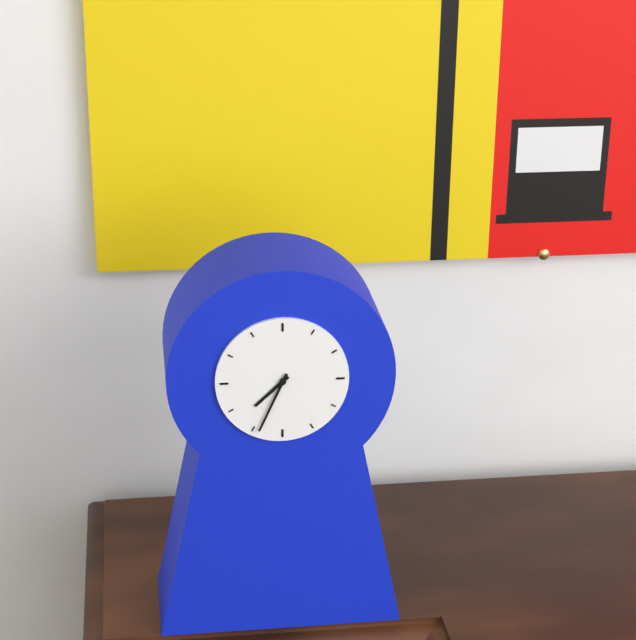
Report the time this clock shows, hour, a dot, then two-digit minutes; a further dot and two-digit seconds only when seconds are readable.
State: 7.34
